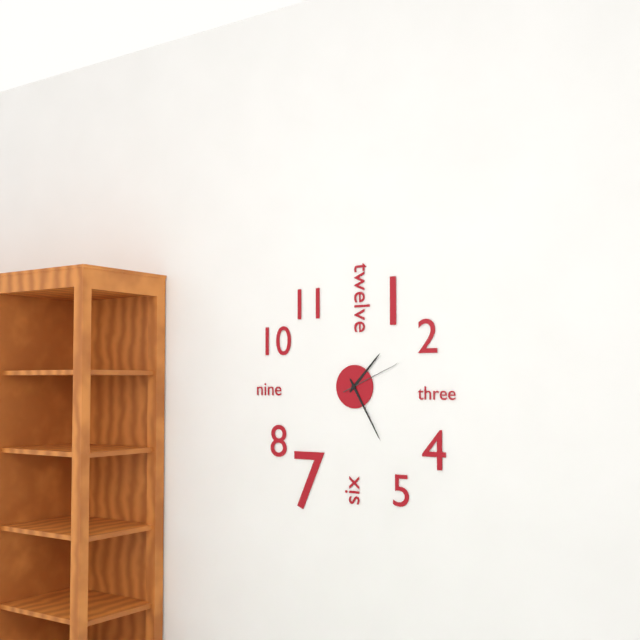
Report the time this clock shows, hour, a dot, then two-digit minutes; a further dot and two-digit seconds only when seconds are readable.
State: 1.25.11
